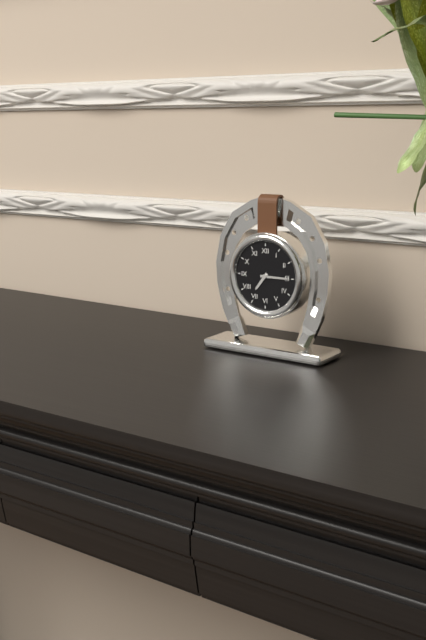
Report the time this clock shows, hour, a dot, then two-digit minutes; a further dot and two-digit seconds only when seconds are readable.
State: 7.15
